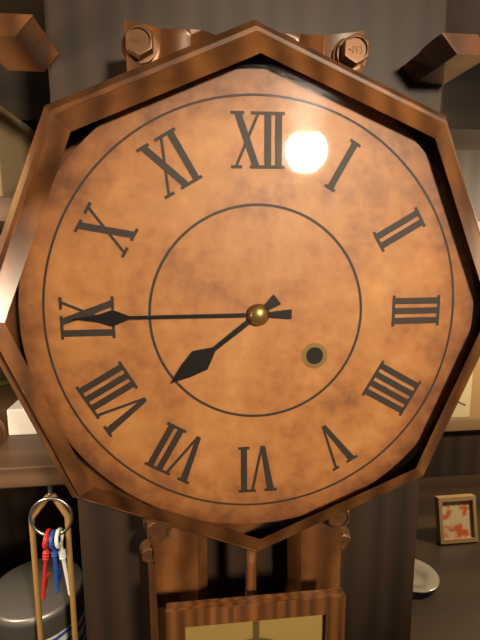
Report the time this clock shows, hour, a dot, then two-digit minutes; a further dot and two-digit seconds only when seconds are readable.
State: 7.45
